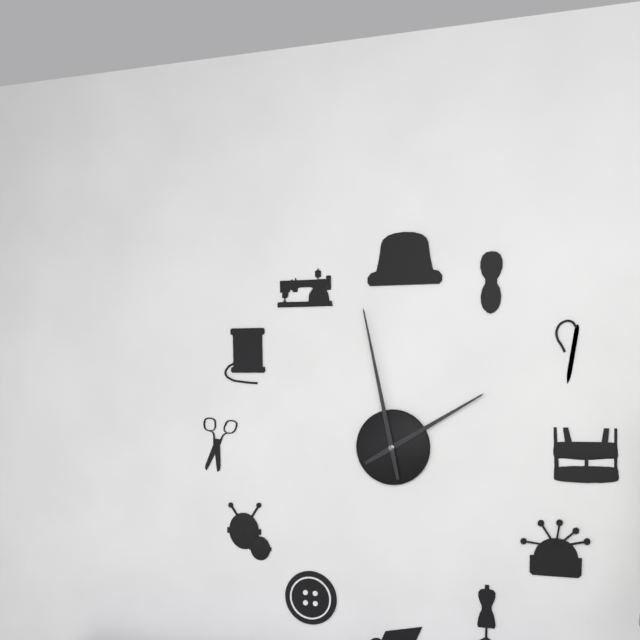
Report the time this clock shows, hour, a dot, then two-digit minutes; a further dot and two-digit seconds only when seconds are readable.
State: 1.58
